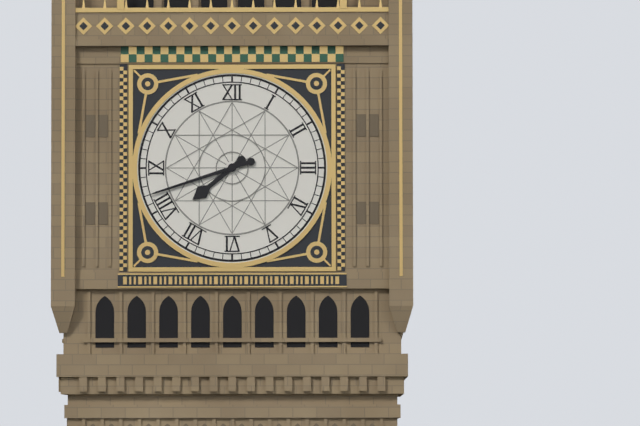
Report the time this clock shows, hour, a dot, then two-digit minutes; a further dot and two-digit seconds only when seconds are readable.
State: 7.42
